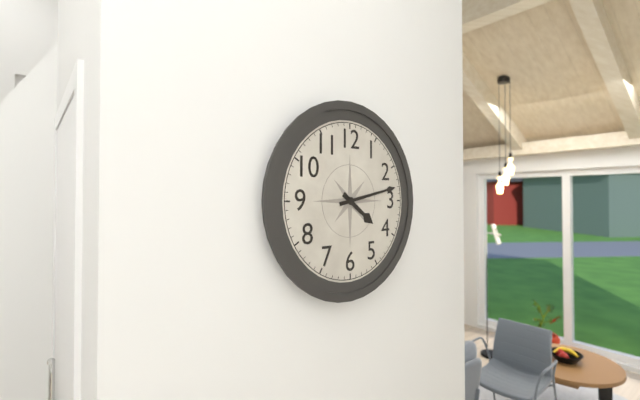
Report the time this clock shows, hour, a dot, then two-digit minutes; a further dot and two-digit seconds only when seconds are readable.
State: 4.13
